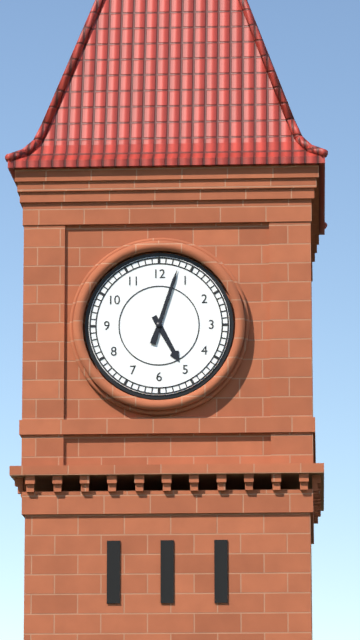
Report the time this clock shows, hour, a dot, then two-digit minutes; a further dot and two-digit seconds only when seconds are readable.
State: 5.03
